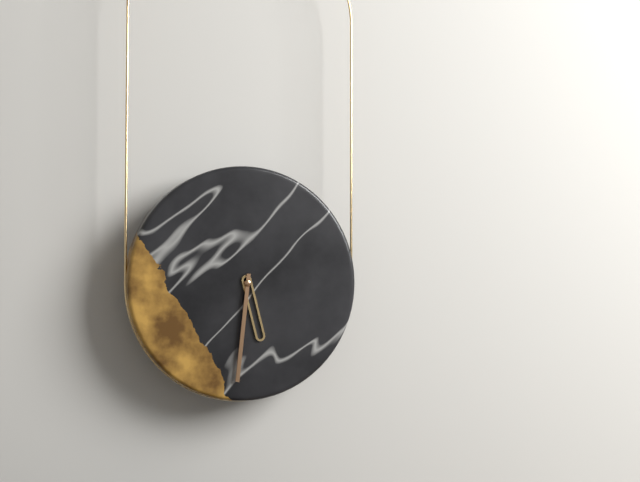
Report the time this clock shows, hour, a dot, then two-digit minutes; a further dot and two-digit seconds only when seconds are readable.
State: 5.31
